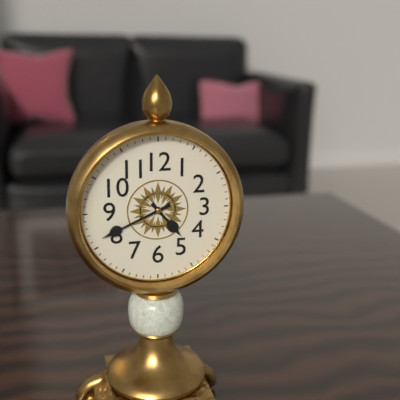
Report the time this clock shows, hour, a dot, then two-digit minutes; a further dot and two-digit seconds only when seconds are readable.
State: 4.41
